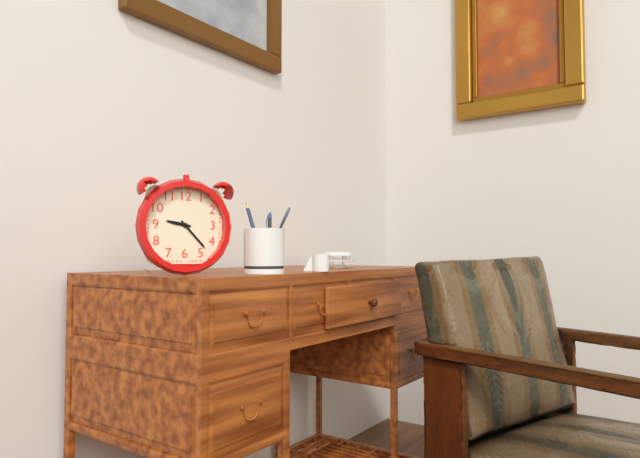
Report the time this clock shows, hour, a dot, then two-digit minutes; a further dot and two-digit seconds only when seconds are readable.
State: 9.23
